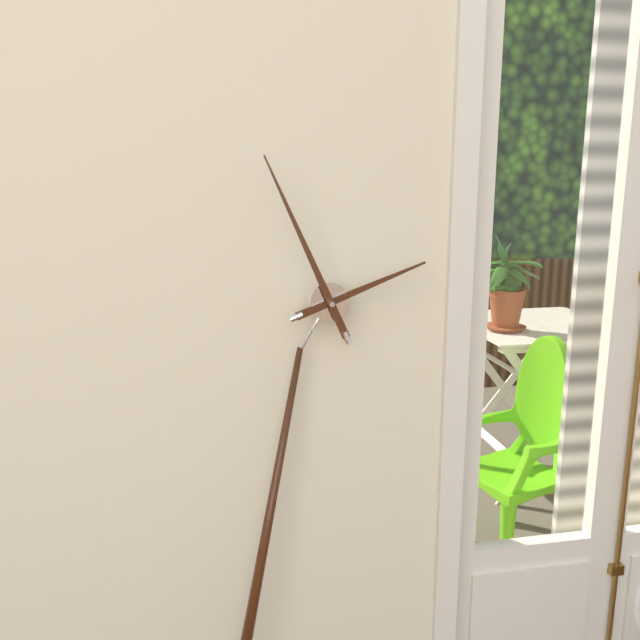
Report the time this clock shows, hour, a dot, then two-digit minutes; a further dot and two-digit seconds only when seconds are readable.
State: 1.54
